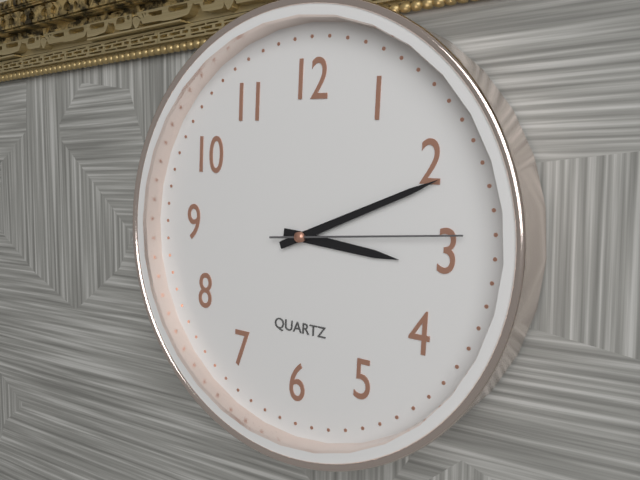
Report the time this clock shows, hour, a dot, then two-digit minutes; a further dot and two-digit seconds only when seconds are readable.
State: 3.11.14
